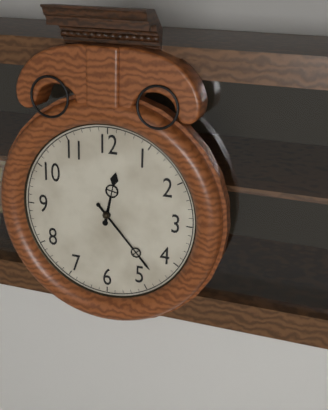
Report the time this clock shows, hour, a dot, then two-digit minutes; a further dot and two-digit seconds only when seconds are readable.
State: 12.23
